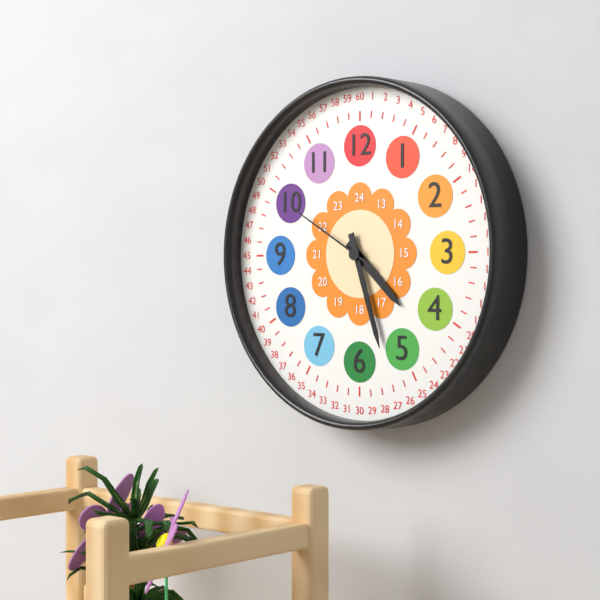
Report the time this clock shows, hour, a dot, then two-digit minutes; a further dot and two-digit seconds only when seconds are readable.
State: 4.27.50
